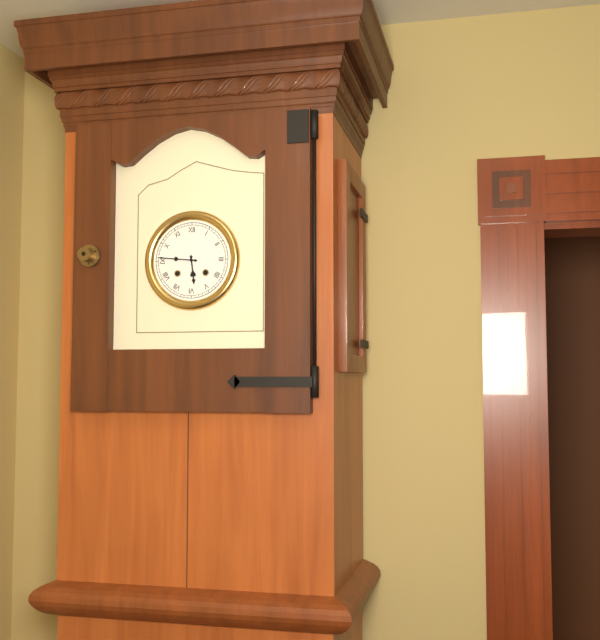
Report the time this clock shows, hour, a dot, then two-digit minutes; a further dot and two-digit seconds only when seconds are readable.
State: 5.46
